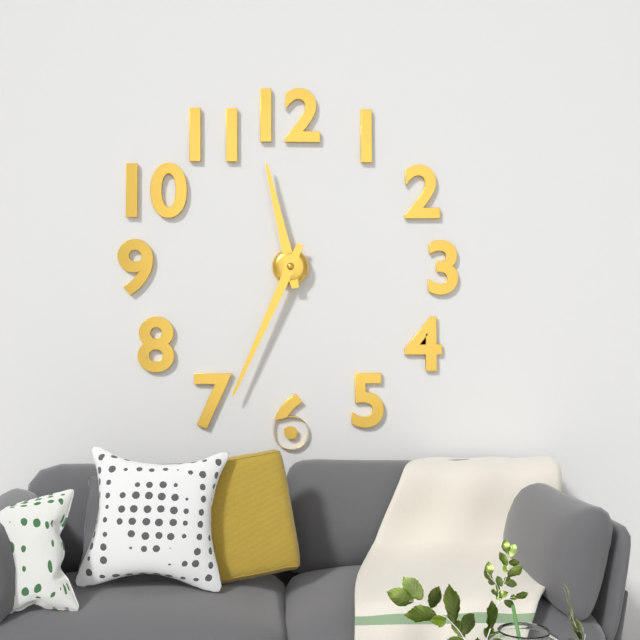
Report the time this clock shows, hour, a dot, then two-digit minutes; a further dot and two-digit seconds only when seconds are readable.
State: 11.34
